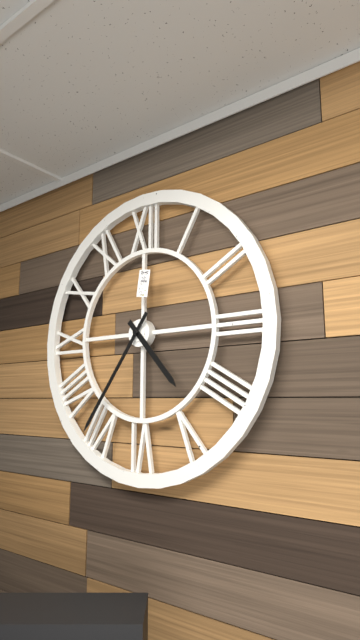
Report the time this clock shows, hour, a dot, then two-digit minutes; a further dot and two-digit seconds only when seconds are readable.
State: 4.36
